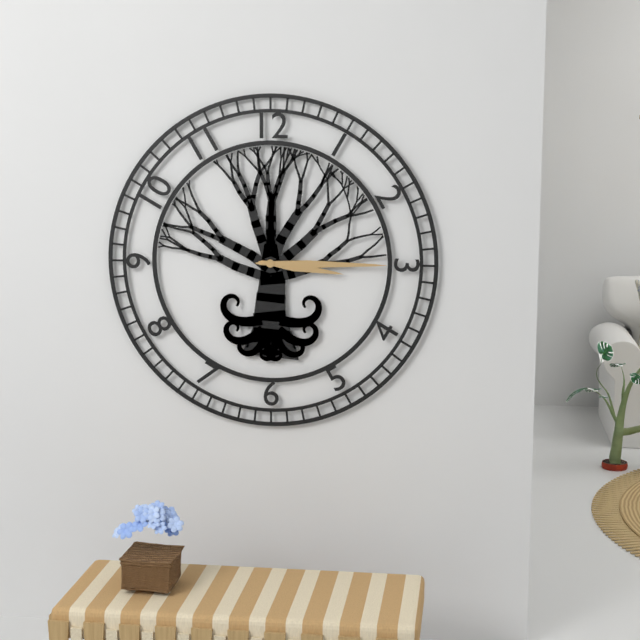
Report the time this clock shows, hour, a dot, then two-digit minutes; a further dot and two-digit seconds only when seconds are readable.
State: 3.15
